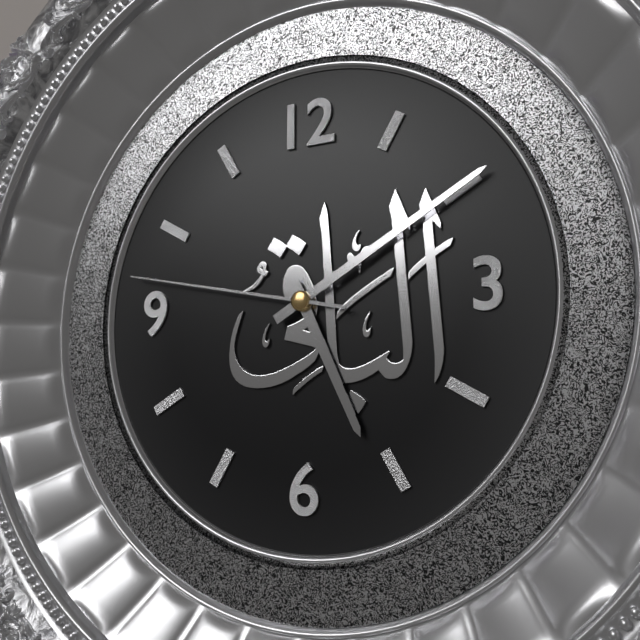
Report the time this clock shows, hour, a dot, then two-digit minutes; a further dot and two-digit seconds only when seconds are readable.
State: 5.10.47
